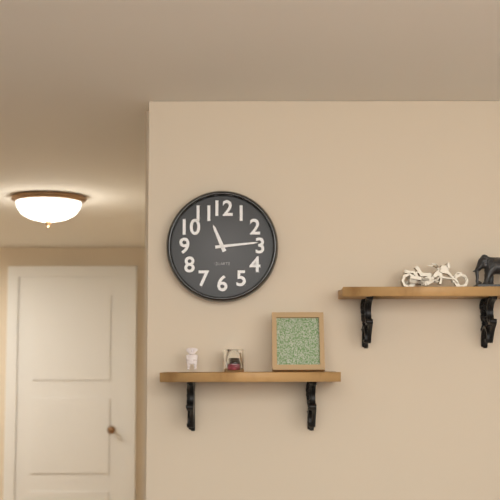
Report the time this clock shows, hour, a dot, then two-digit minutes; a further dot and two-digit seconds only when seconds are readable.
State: 11.14
